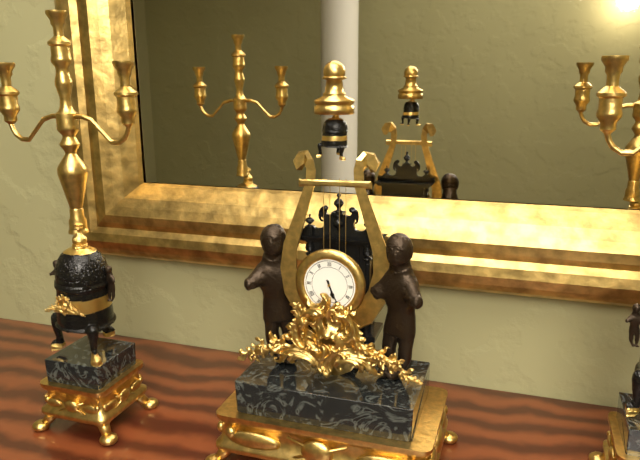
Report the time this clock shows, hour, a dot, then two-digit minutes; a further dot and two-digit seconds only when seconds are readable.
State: 5.26
